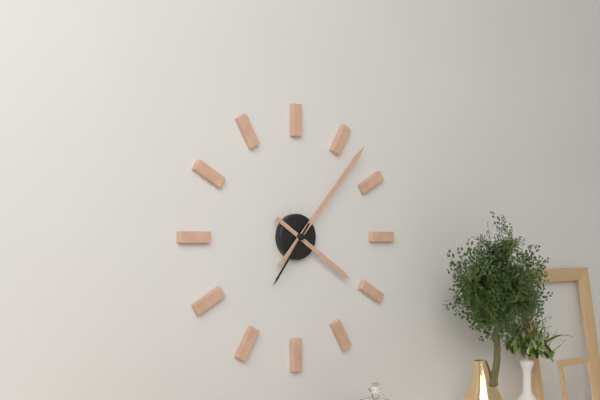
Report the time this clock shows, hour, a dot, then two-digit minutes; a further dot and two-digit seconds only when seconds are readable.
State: 4.07.36
